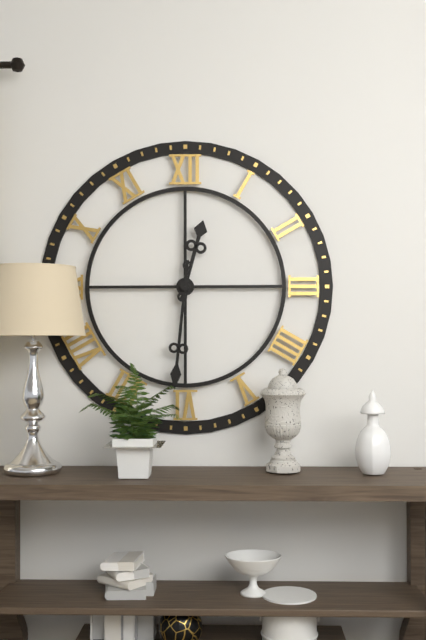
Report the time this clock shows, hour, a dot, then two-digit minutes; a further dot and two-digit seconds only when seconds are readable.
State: 12.31
